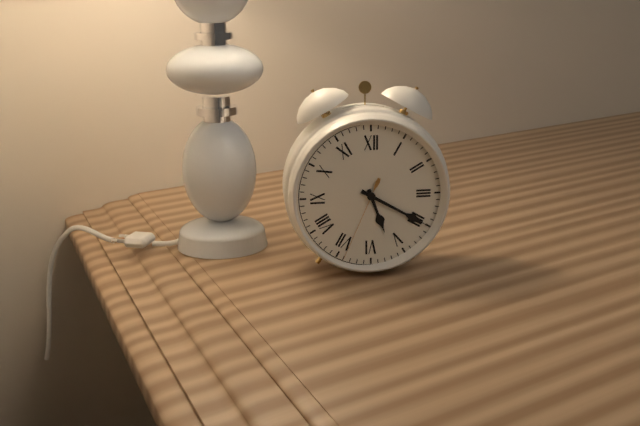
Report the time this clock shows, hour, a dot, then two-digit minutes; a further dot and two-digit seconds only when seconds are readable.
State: 5.20.34
